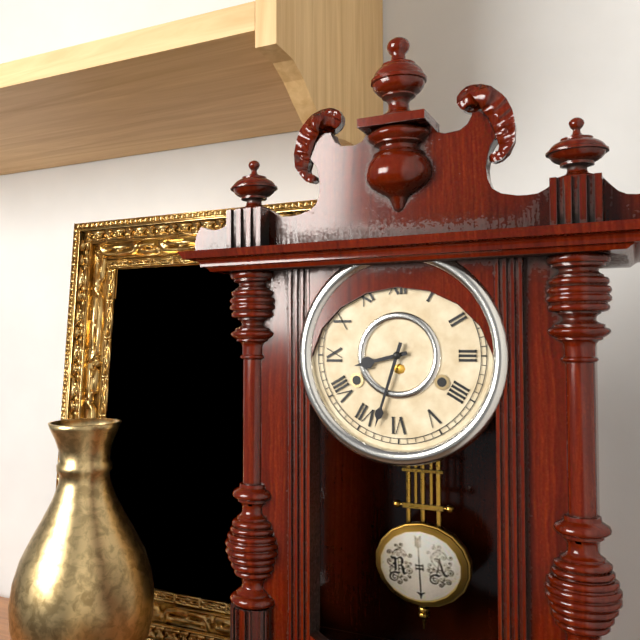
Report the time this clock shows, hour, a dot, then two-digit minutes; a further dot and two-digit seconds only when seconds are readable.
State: 8.33
